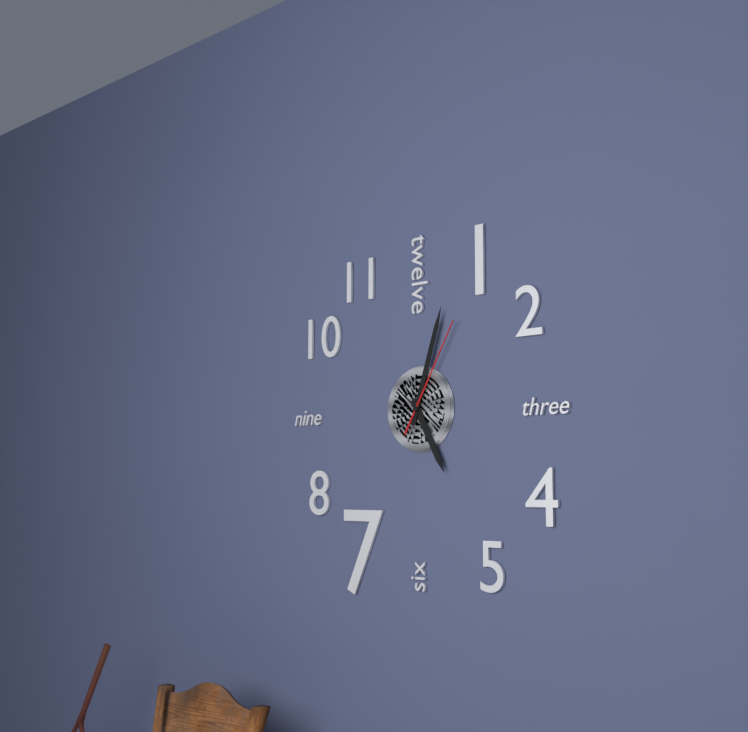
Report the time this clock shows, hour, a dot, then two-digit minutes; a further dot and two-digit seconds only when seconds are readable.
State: 5.03.05
